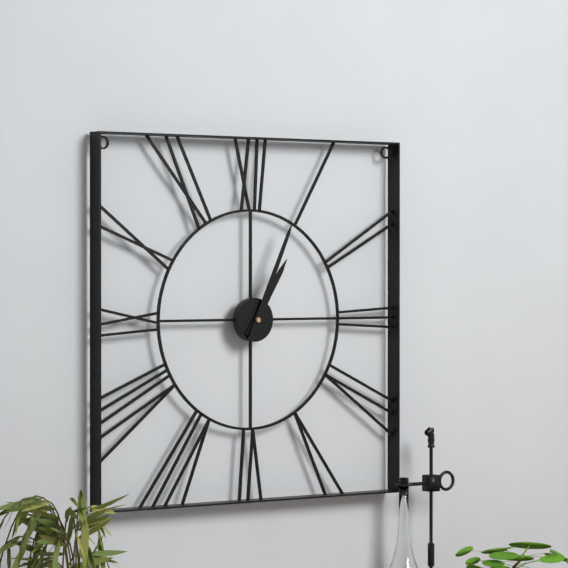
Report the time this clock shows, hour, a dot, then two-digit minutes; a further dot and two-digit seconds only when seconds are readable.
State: 1.04
